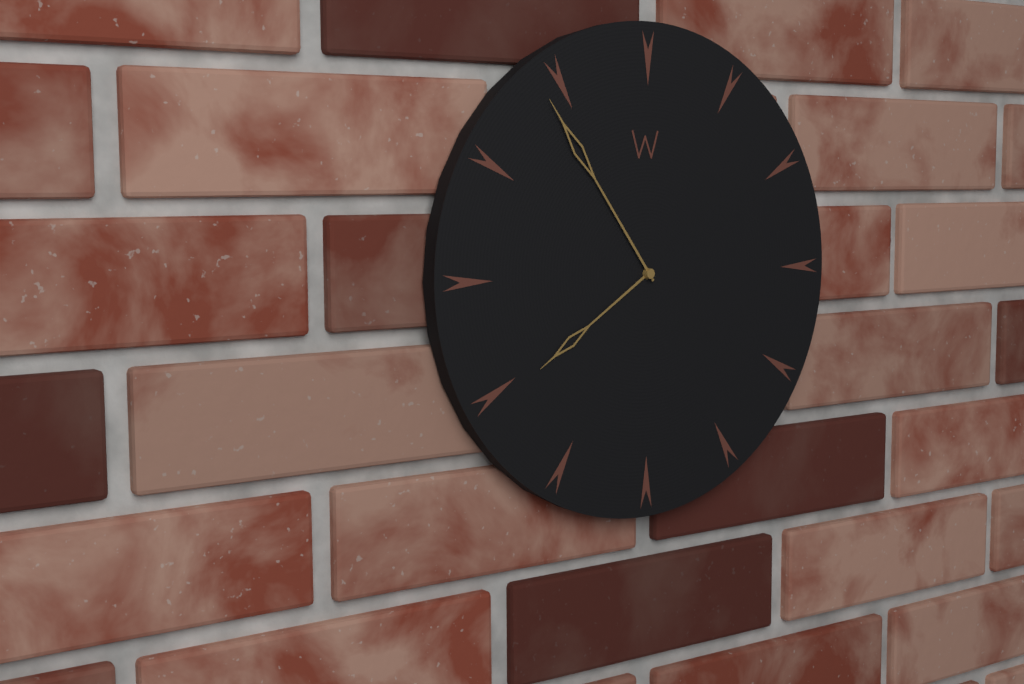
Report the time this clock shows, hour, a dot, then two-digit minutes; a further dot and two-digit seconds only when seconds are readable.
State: 7.54
